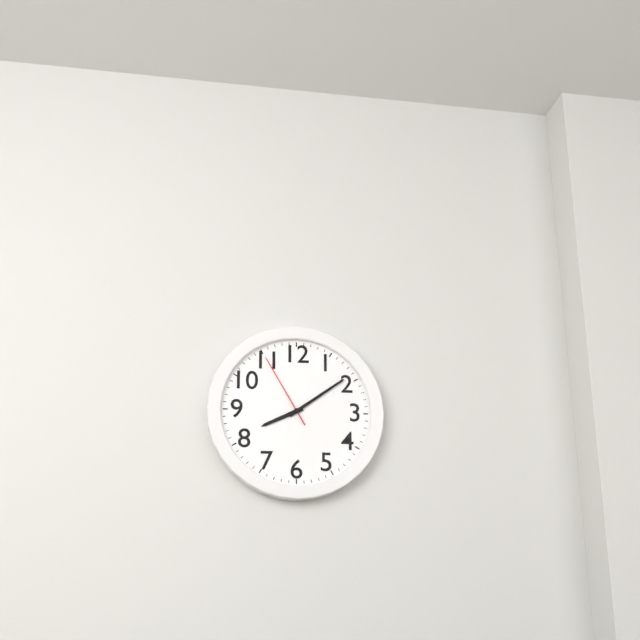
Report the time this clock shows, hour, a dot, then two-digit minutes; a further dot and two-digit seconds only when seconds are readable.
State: 8.09.55
